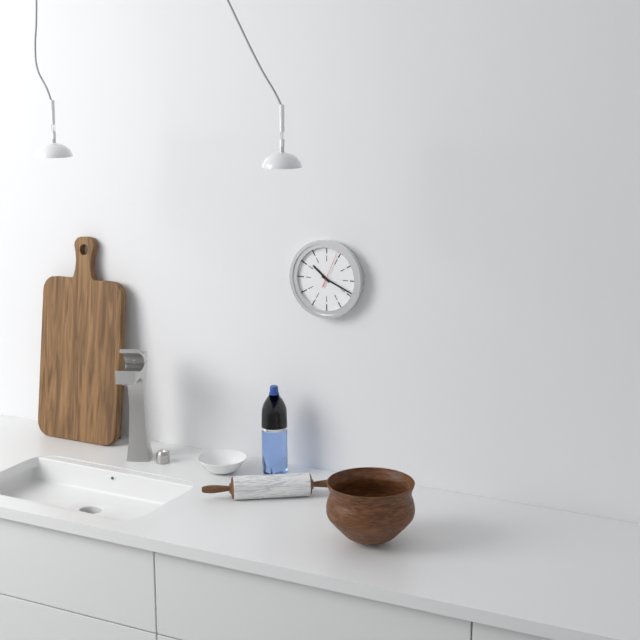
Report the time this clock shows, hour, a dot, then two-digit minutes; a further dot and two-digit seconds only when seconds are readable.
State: 10.19
